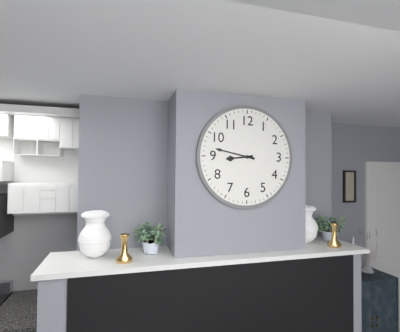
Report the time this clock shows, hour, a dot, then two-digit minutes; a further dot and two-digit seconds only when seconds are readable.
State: 8.47
